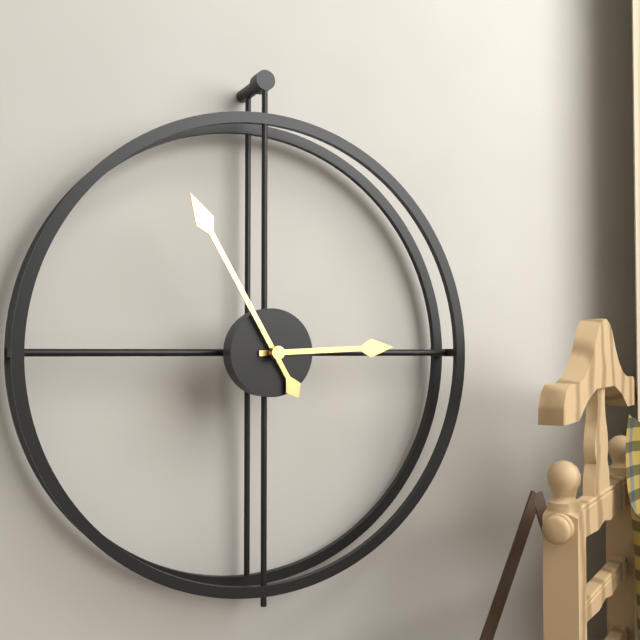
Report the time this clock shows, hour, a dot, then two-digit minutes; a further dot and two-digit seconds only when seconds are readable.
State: 2.55
